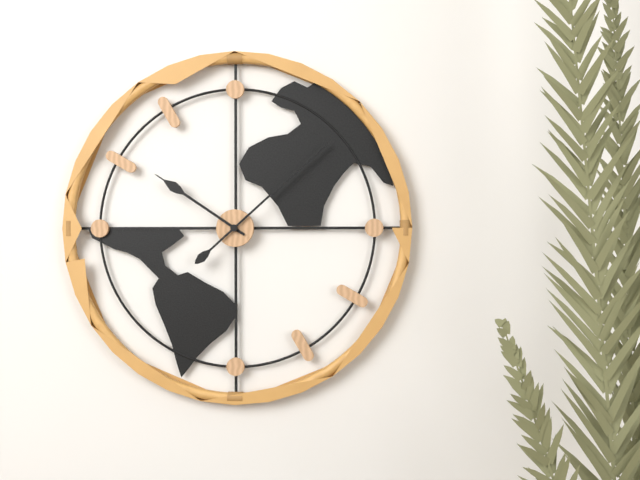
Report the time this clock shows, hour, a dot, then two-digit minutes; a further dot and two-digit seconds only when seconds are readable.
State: 10.08
